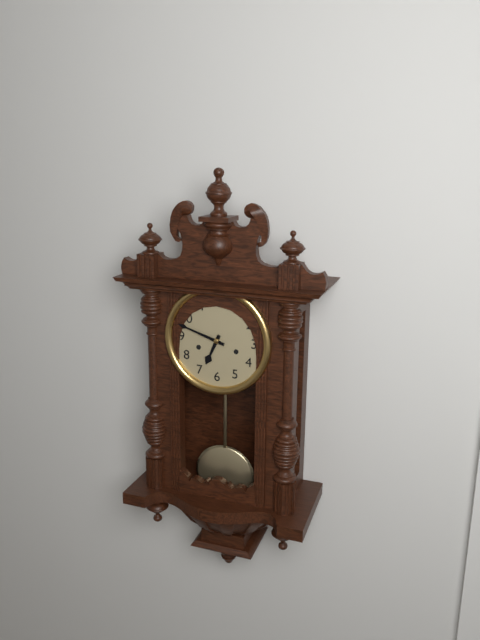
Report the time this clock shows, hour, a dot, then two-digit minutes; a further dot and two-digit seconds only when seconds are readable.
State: 6.48
